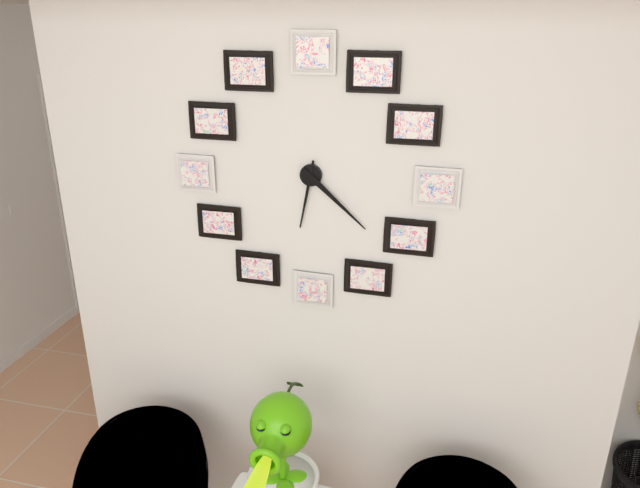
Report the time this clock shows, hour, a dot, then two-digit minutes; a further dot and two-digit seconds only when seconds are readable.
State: 6.22
